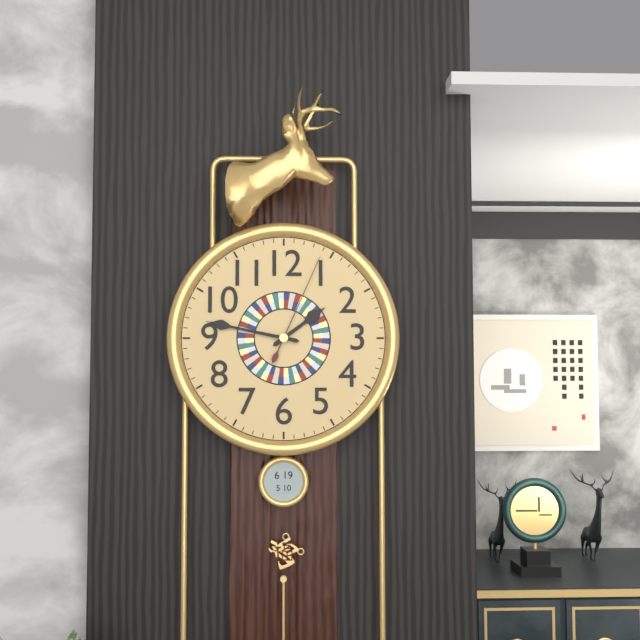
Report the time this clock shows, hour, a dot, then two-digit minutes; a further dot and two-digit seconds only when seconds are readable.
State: 1.47.04
